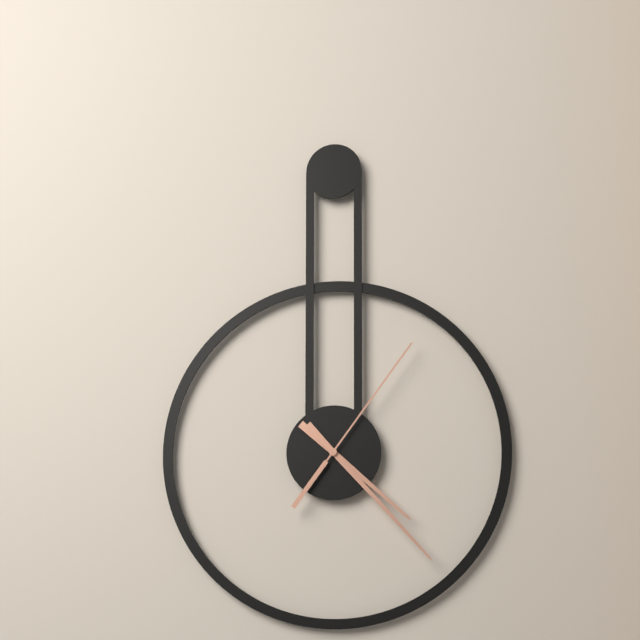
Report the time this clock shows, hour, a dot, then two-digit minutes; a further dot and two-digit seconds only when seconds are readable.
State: 4.23.06
